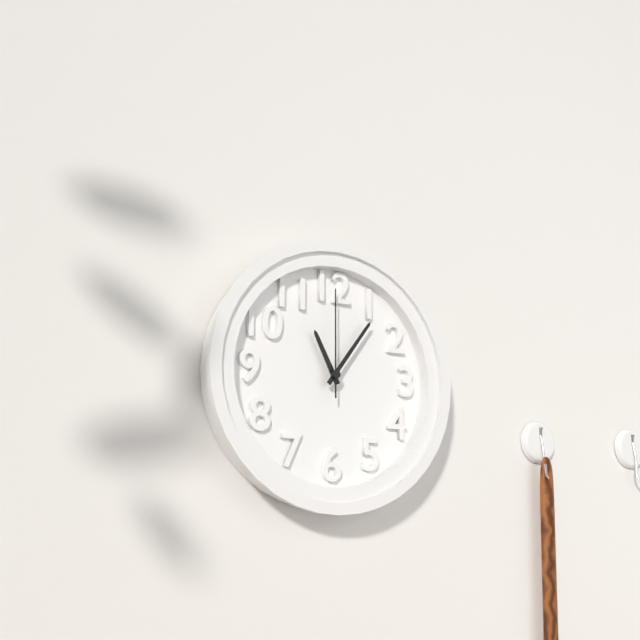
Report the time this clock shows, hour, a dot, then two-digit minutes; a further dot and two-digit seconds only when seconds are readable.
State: 11.06.00
